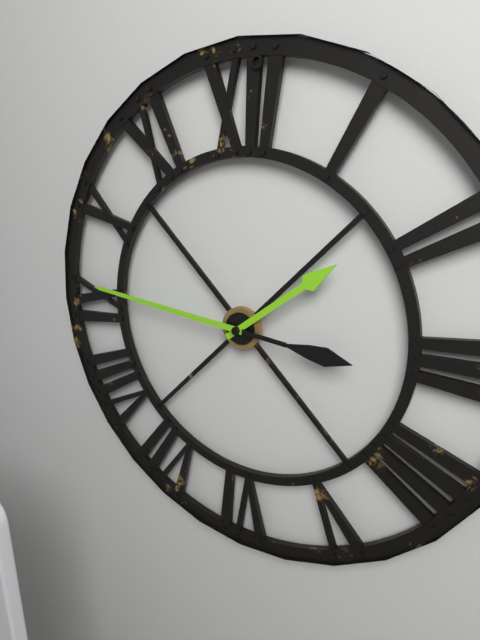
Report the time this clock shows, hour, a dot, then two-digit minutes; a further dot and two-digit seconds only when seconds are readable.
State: 1.46
